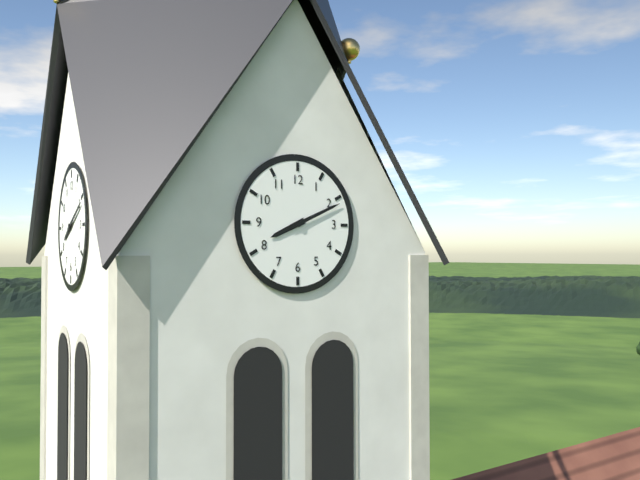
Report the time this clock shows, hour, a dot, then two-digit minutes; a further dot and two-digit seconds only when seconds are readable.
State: 8.11
